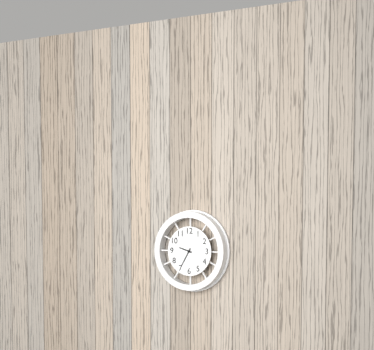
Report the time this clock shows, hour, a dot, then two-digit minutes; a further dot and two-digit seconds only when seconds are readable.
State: 9.35
